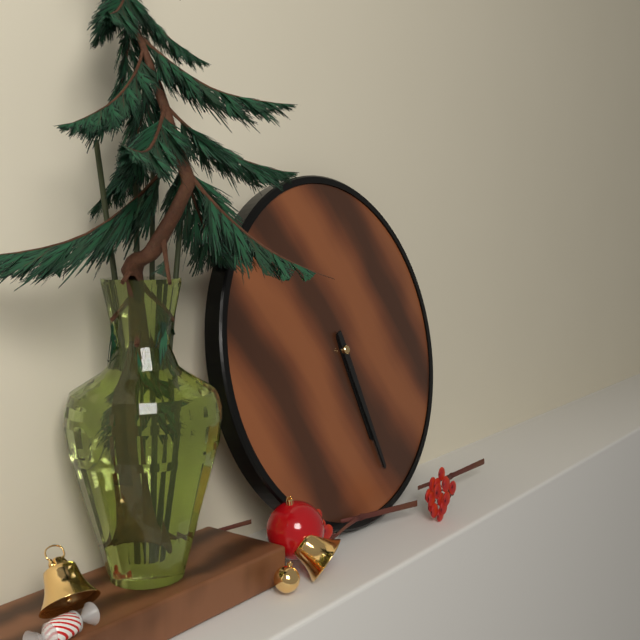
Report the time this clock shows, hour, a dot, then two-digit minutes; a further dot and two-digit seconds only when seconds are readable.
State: 5.27
